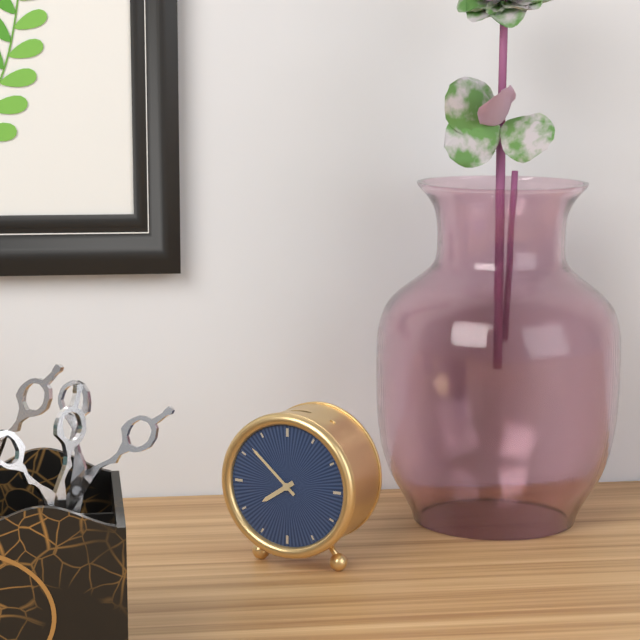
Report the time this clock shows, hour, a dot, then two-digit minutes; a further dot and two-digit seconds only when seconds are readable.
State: 7.52
